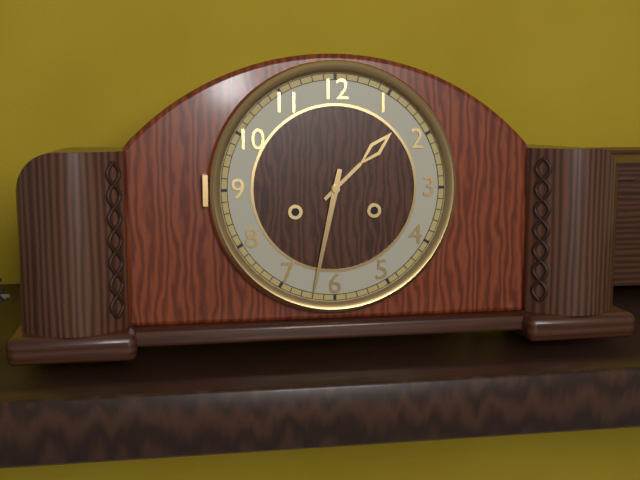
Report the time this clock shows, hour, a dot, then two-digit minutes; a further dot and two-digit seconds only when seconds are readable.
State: 1.32
